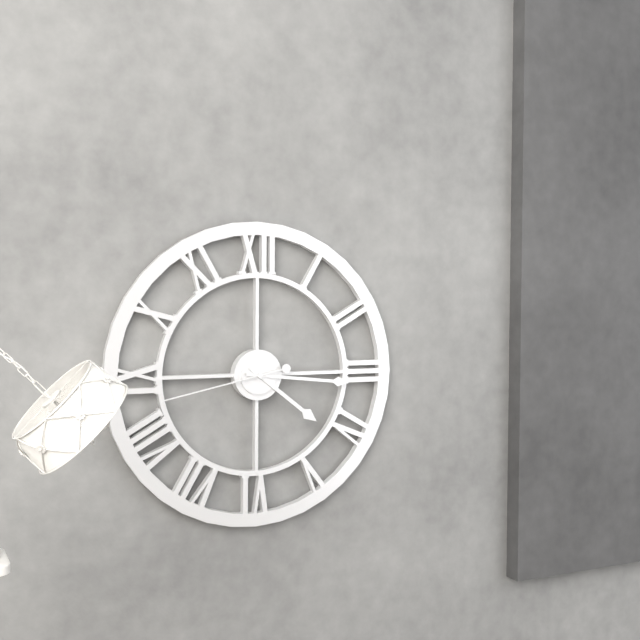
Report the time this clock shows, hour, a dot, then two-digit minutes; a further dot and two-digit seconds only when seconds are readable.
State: 4.16.43
